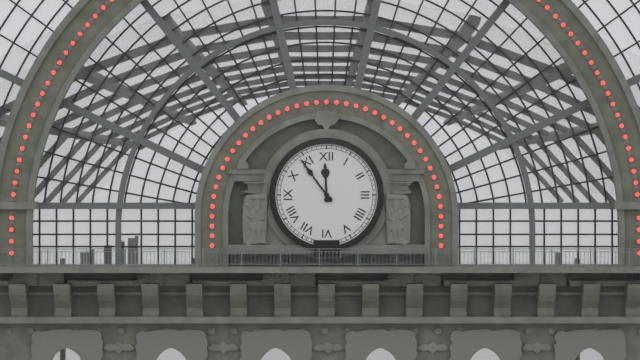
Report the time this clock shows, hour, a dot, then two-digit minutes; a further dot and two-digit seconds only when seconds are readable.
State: 11.54
